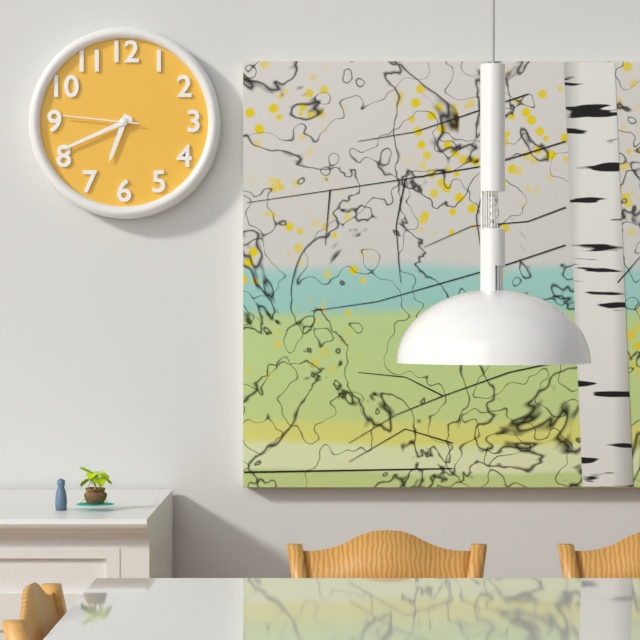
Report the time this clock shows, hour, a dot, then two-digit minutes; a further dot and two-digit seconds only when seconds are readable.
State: 6.41.46
